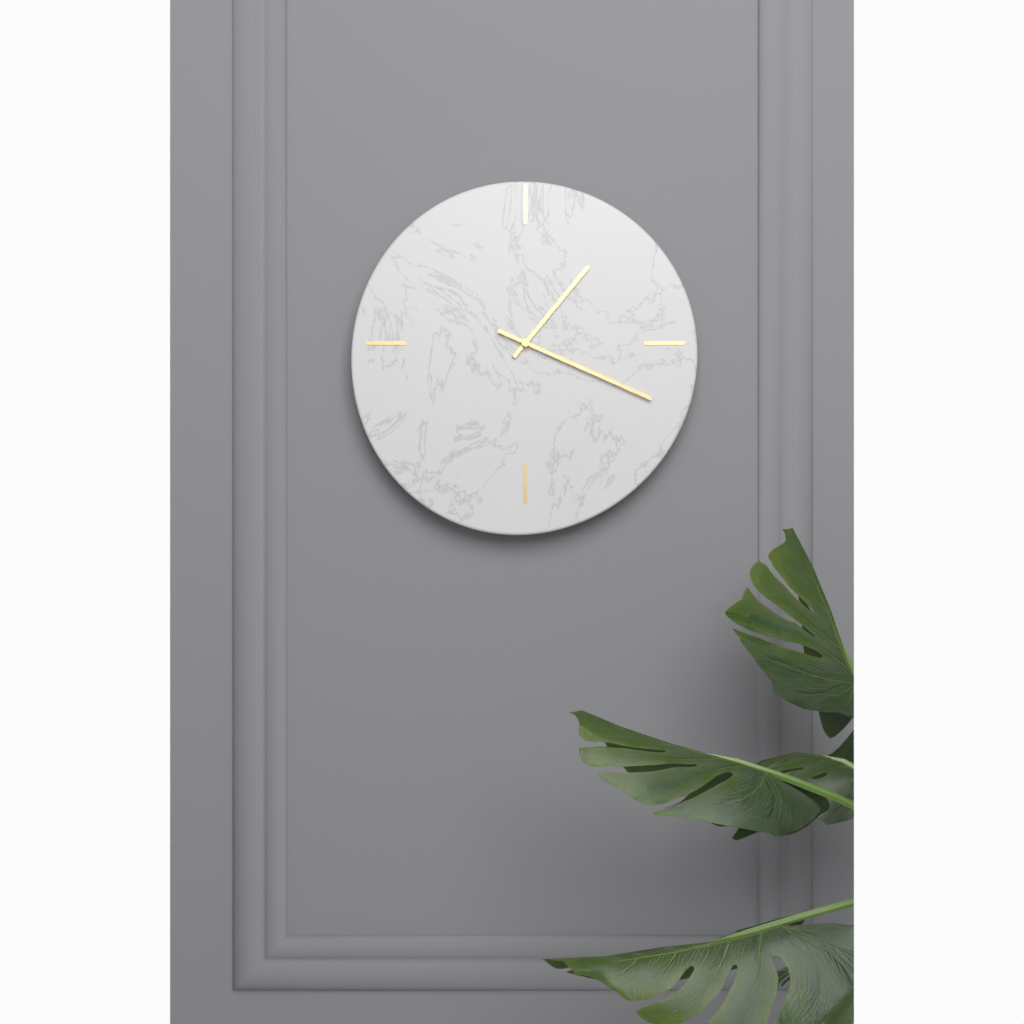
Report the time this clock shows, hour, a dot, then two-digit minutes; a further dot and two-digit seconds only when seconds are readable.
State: 1.19
